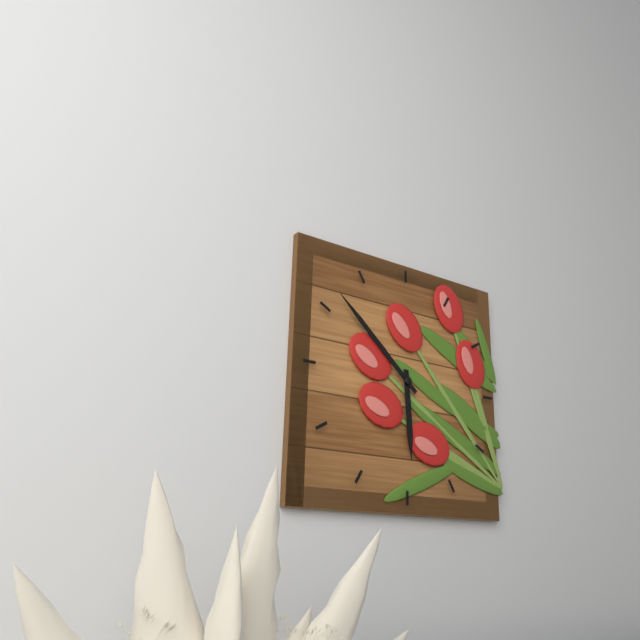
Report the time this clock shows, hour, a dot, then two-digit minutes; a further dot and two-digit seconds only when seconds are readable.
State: 5.52
